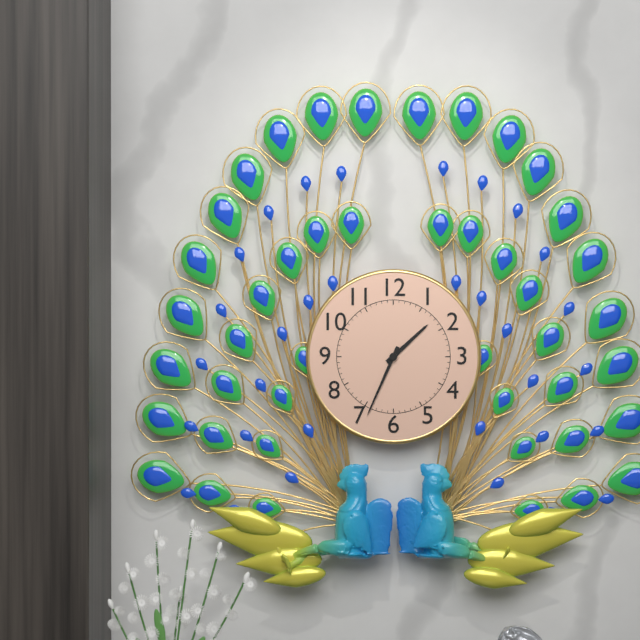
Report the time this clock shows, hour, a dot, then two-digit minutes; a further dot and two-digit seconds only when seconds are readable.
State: 1.34
